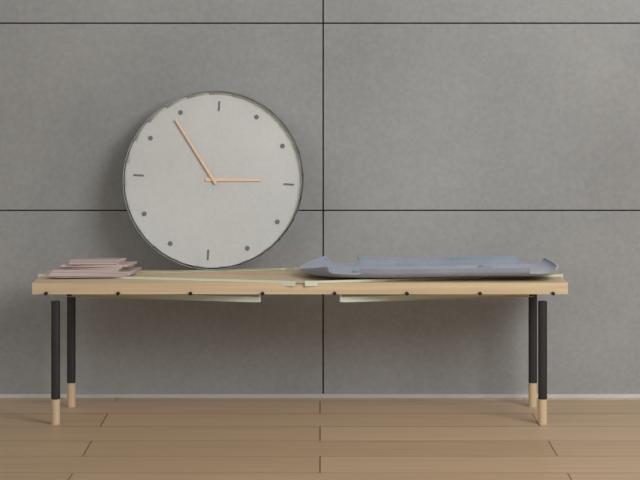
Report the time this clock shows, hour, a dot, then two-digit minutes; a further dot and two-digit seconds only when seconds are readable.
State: 2.54
